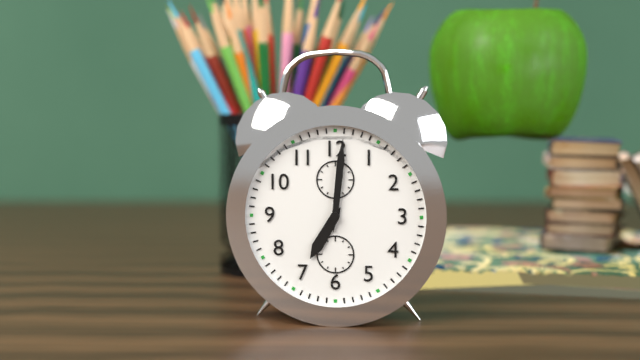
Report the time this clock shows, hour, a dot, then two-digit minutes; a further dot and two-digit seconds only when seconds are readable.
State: 7.01
